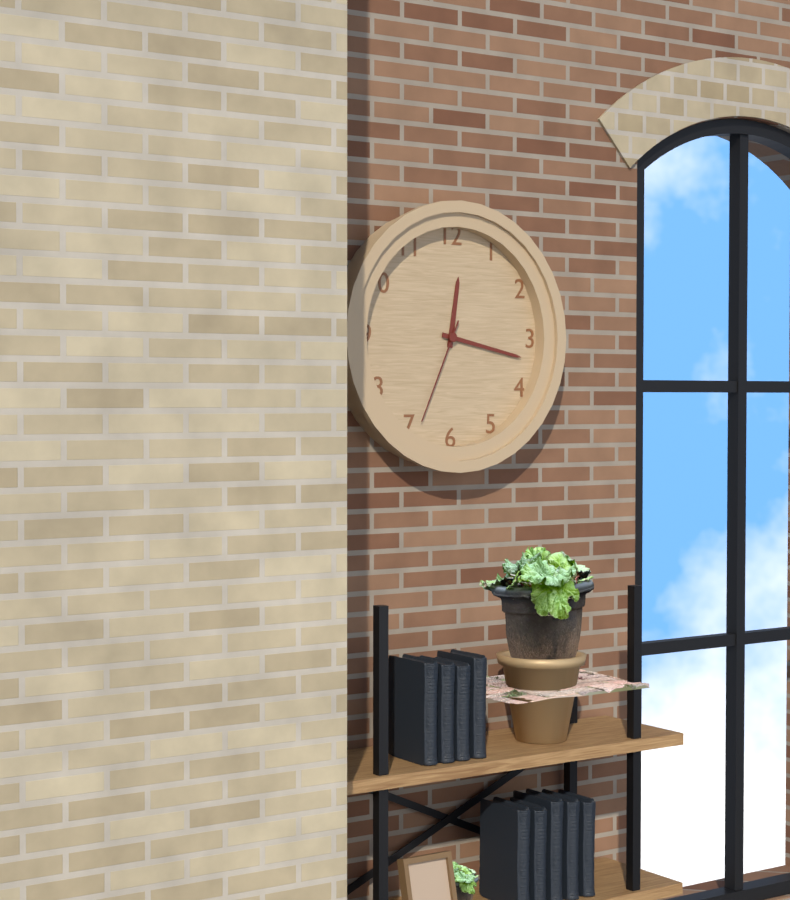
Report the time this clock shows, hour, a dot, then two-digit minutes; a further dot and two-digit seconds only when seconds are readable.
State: 12.17.34
